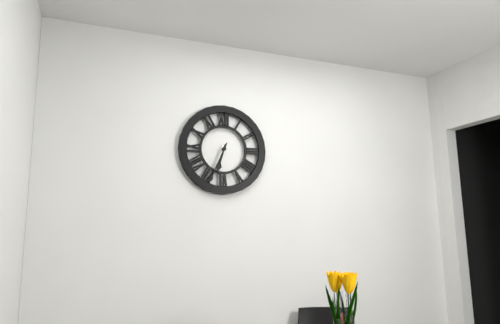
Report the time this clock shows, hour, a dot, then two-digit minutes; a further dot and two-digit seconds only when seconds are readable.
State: 6.34
